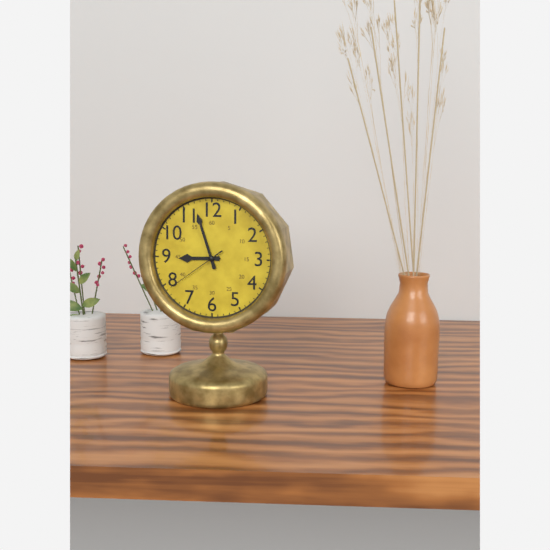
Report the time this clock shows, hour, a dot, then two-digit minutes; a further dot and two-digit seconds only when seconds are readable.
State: 8.57.39
